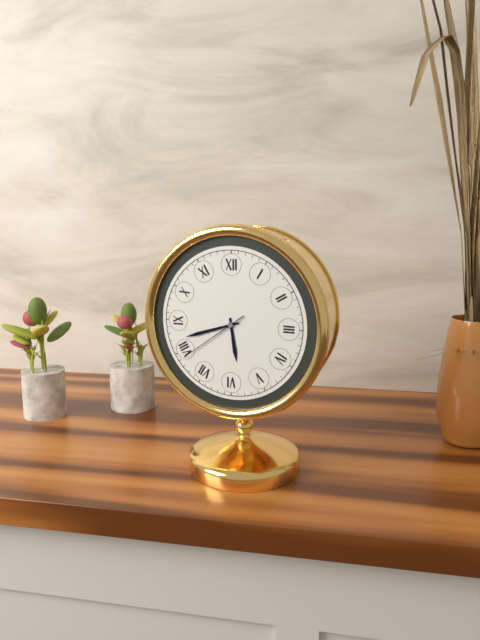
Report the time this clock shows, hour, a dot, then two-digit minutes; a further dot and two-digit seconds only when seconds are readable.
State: 5.42.39
